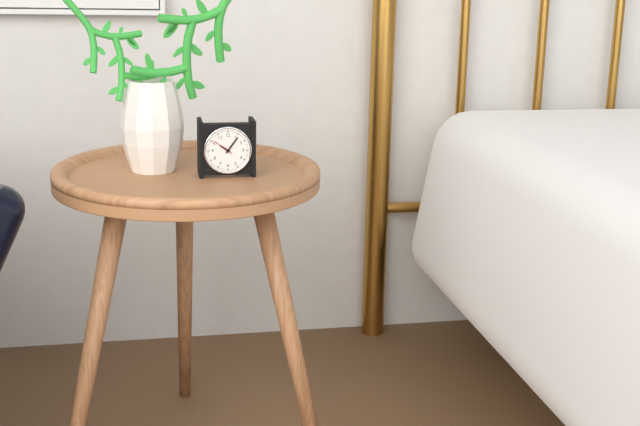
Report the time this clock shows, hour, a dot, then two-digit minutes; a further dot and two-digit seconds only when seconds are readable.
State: 10.06
